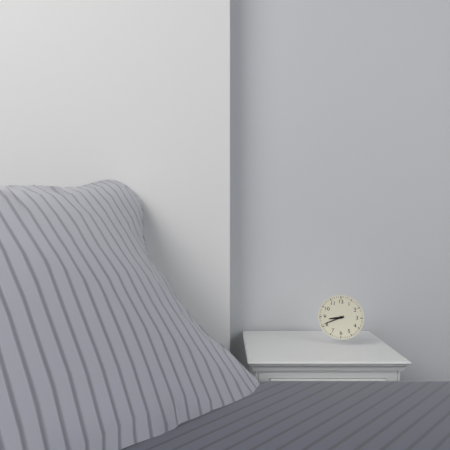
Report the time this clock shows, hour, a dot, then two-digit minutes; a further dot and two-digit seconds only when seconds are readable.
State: 8.41
